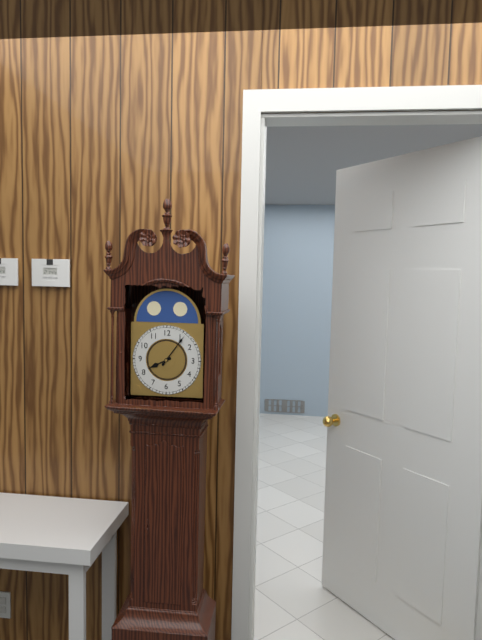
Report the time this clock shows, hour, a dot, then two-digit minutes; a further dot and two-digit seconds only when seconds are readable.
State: 8.06
